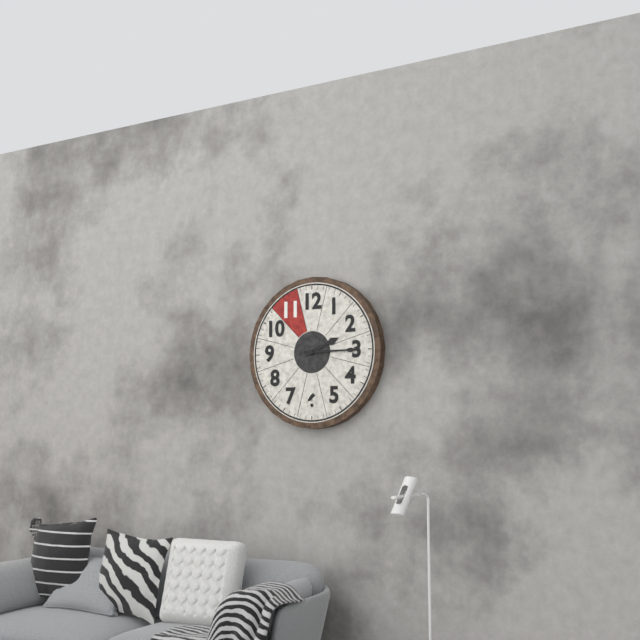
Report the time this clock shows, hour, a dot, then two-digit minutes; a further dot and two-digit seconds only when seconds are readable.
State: 2.15
